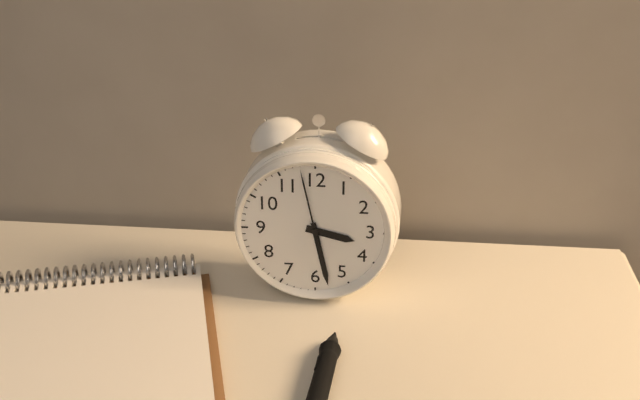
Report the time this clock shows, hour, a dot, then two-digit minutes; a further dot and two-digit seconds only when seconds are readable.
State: 3.28.58
